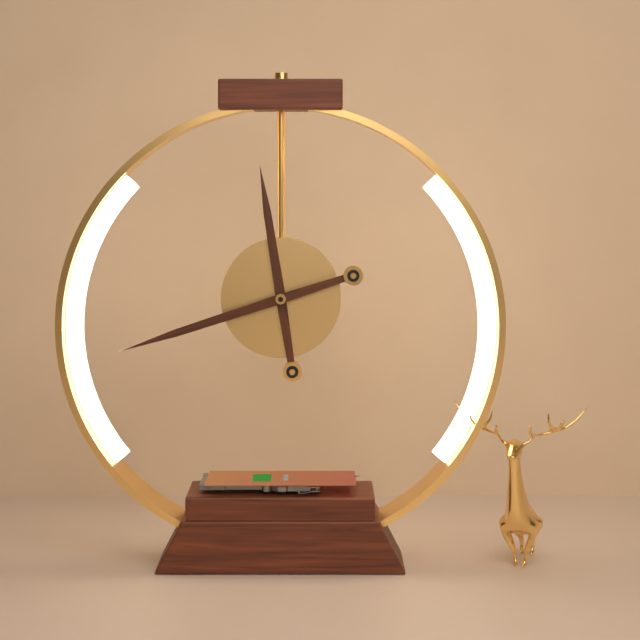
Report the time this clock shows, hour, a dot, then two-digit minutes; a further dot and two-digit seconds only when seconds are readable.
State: 11.42
